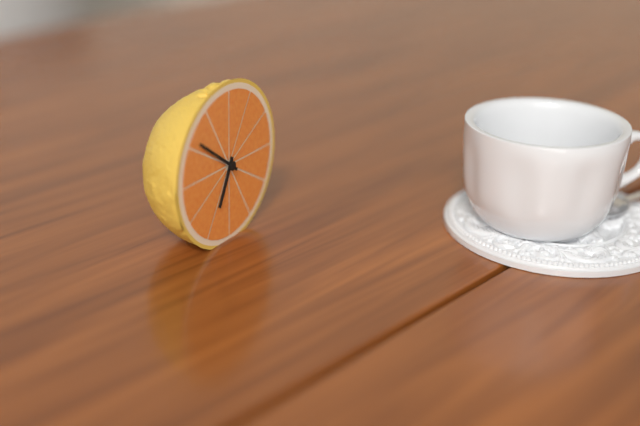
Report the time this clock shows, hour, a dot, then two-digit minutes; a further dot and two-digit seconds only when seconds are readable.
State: 6.51
